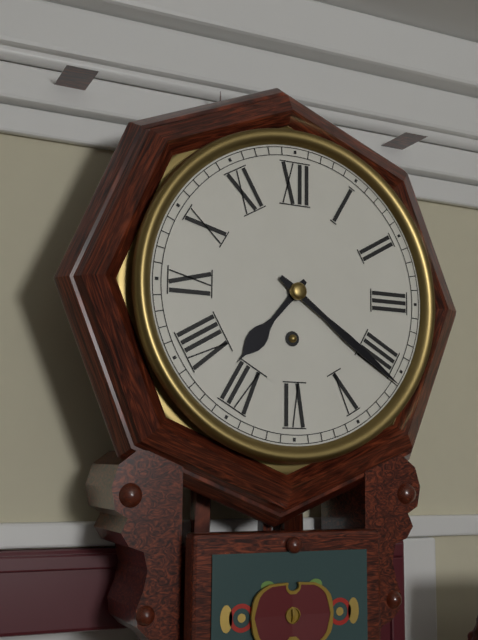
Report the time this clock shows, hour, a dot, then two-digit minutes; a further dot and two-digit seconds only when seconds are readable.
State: 7.21
